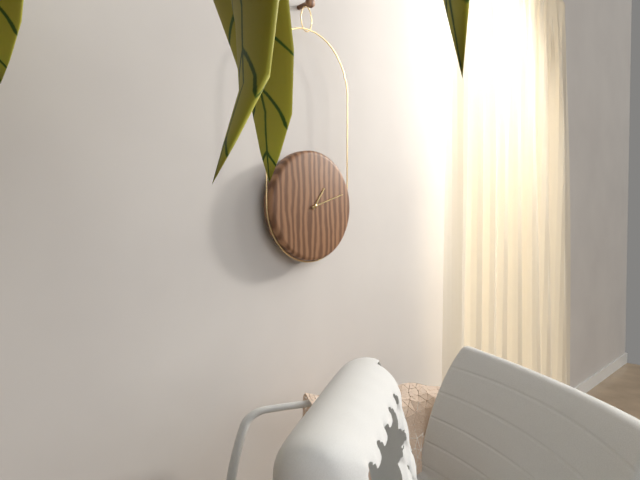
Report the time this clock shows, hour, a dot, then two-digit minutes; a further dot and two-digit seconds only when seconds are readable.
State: 1.12
